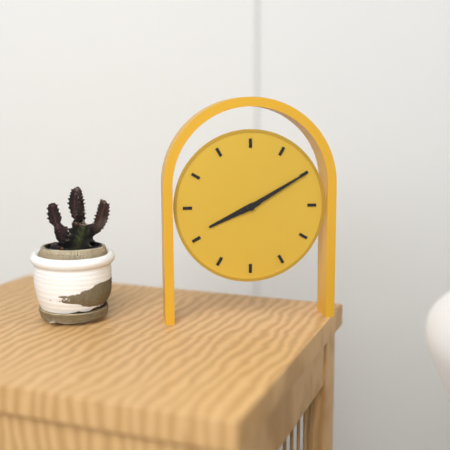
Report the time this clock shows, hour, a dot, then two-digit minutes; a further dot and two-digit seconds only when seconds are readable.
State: 8.10
